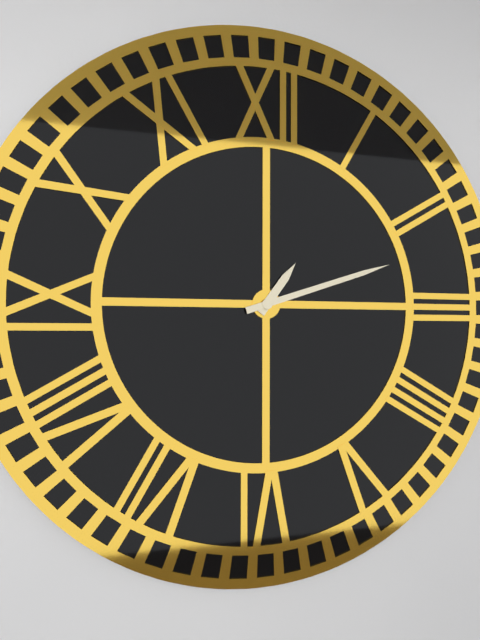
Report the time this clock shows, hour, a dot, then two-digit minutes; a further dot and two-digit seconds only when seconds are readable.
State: 1.12
